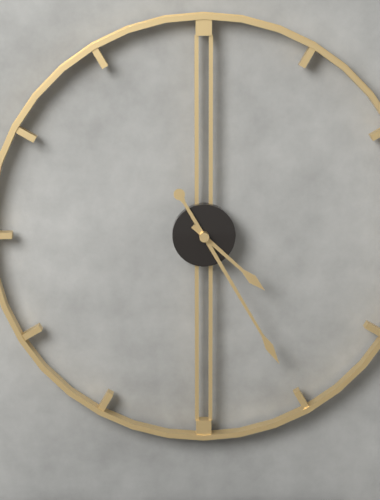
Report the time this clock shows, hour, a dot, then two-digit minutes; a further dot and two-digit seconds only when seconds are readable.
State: 4.25
